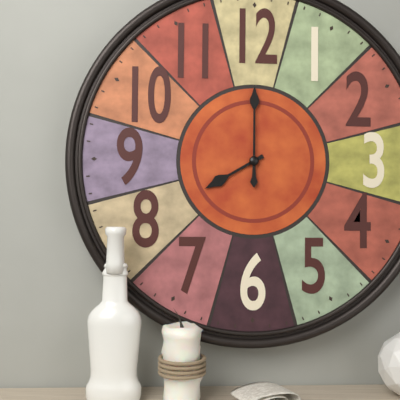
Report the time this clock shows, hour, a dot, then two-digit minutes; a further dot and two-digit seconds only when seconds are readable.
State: 8.00
